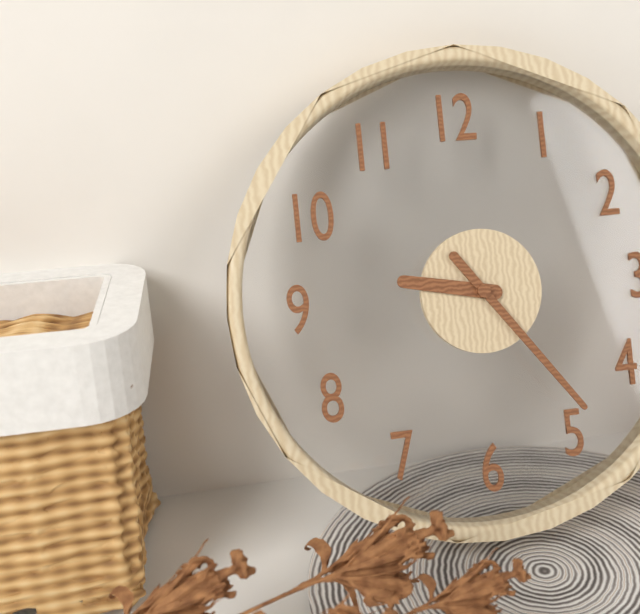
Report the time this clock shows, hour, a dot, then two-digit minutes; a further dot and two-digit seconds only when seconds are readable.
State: 9.24
